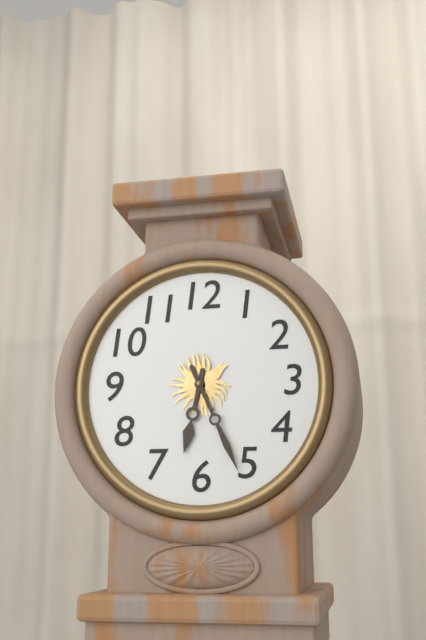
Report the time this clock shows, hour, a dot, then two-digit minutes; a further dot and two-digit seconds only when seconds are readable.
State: 6.26
